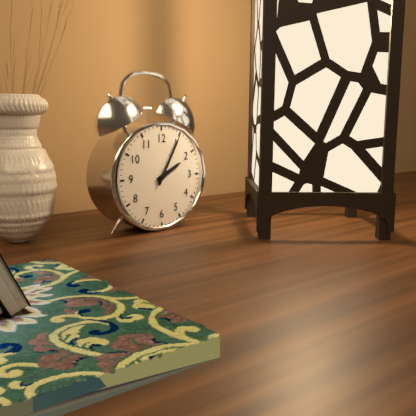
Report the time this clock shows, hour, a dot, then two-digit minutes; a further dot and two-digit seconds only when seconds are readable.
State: 2.05
